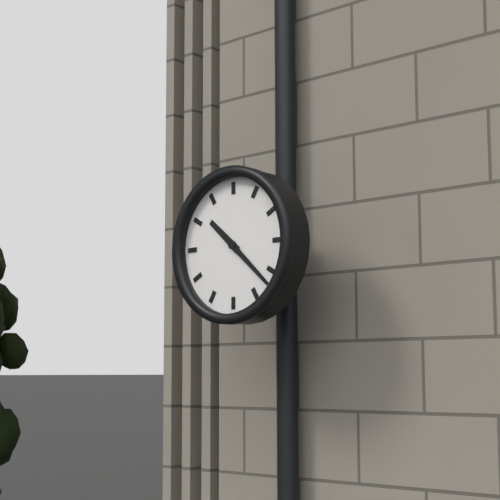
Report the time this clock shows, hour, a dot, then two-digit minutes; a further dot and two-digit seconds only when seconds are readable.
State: 10.22
